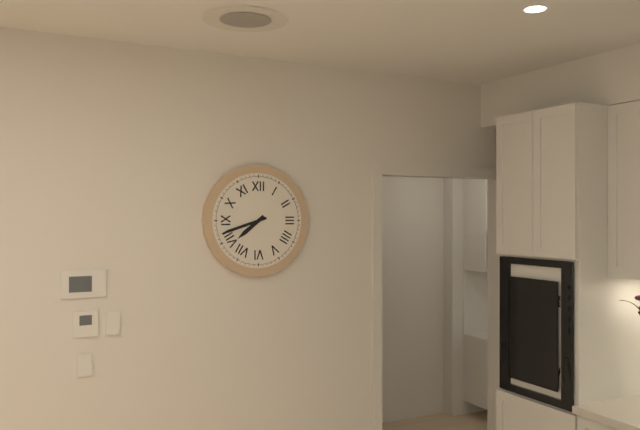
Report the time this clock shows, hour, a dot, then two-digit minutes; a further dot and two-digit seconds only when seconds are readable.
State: 7.42
